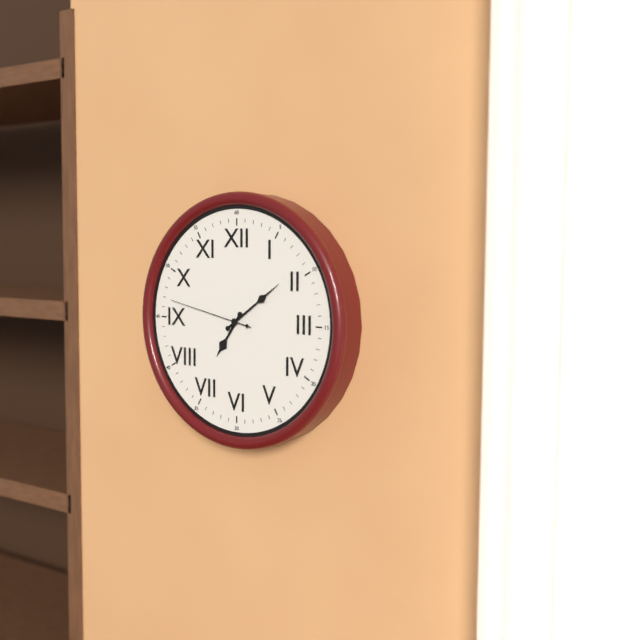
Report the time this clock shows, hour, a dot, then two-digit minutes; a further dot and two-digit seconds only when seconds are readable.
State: 7.09.47
